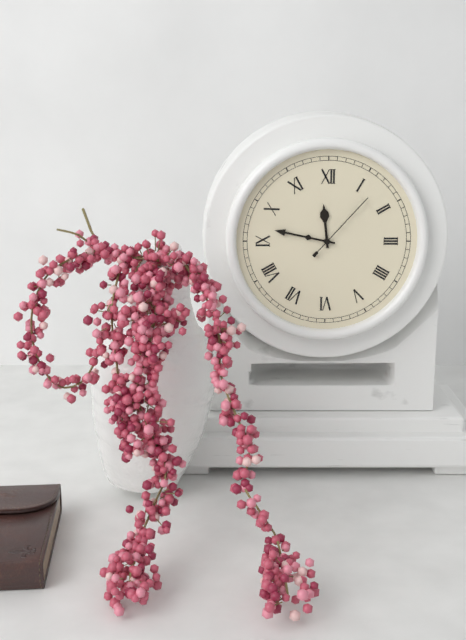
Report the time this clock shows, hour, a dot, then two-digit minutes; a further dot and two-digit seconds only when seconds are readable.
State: 11.47.07
